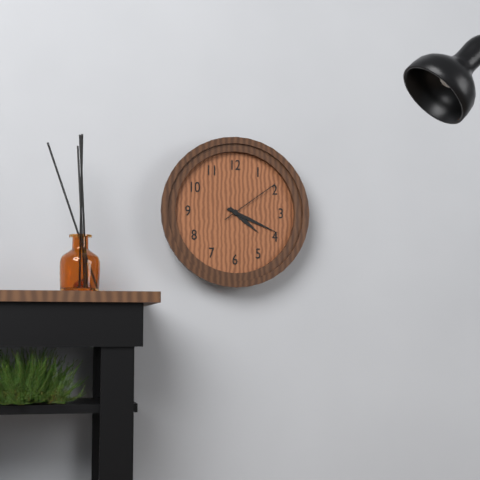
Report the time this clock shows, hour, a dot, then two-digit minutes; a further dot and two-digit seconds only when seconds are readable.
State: 4.19.09
